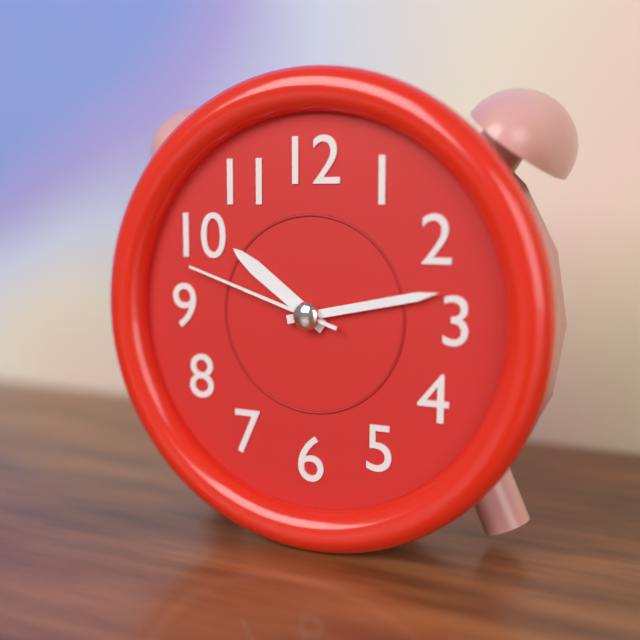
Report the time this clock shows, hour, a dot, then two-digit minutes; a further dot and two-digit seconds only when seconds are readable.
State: 10.13.48
